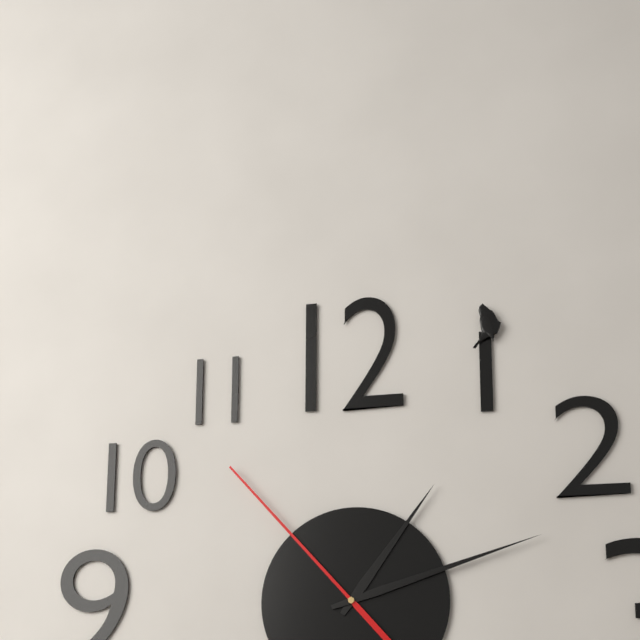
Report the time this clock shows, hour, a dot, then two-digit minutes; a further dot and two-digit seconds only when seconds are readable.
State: 1.12.53
